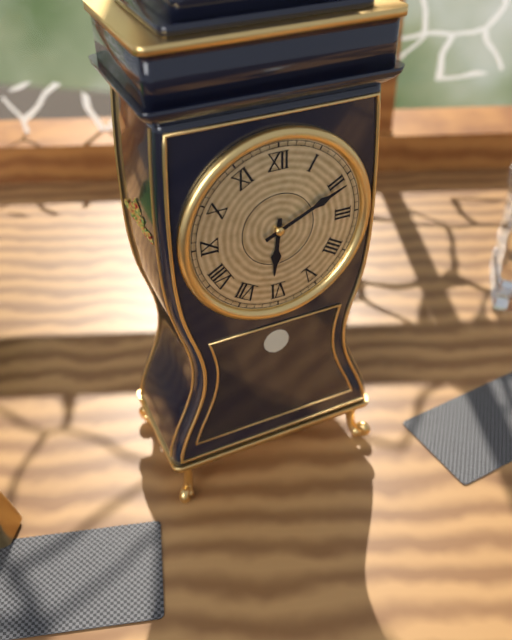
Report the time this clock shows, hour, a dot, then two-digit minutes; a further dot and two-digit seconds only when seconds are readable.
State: 6.11
